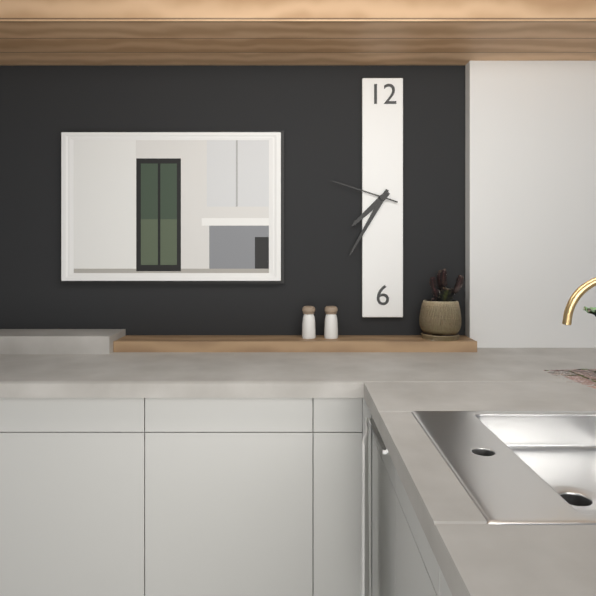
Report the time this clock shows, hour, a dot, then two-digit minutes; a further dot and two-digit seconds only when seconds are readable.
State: 7.35.48
